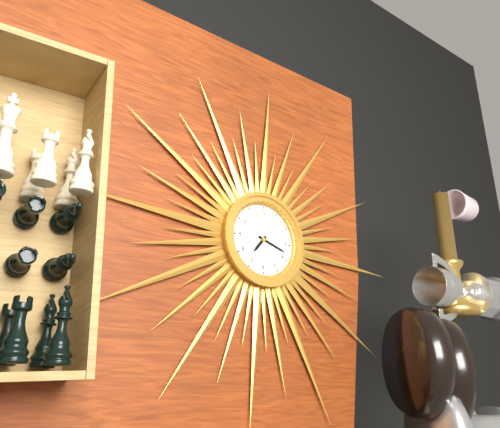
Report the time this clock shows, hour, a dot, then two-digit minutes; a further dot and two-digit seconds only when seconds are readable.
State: 7.18
